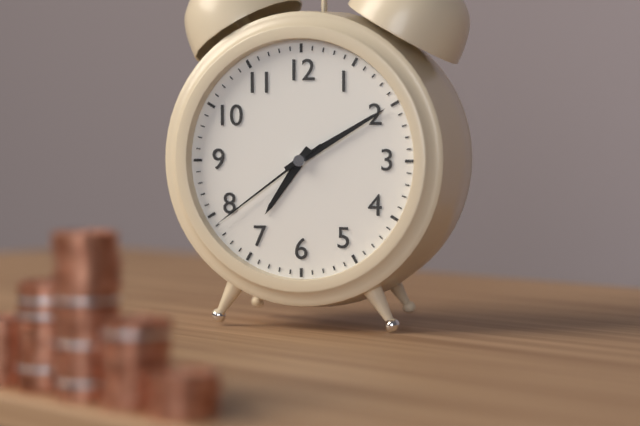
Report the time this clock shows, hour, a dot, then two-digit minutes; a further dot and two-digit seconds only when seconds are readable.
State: 7.10.39
